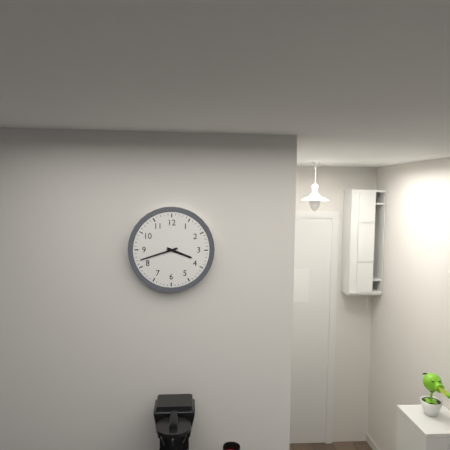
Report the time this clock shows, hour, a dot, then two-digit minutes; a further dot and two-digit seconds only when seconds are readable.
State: 3.42
